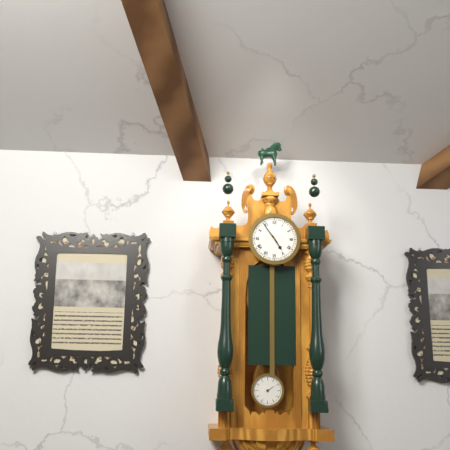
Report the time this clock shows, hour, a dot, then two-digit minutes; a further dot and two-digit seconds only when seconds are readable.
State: 4.54
